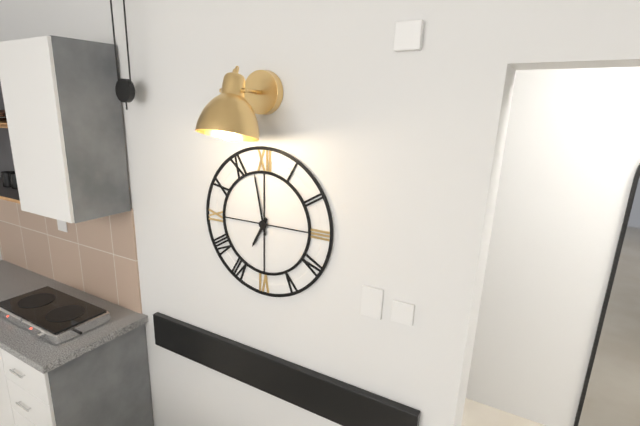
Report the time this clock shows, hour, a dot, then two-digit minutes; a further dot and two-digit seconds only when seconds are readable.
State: 6.58
